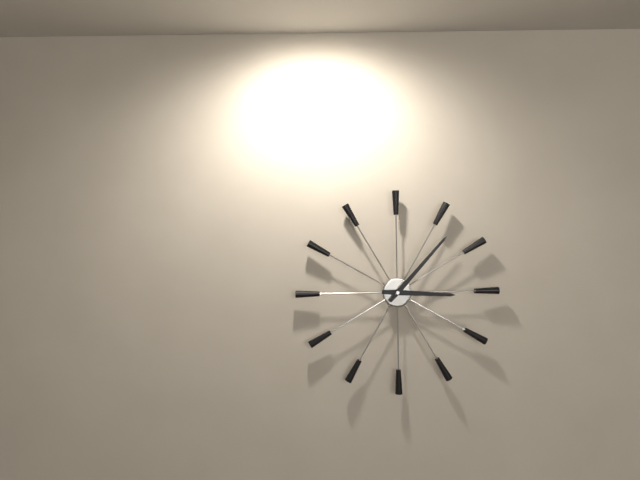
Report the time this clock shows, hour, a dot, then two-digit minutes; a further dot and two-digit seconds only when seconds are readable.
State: 3.07
